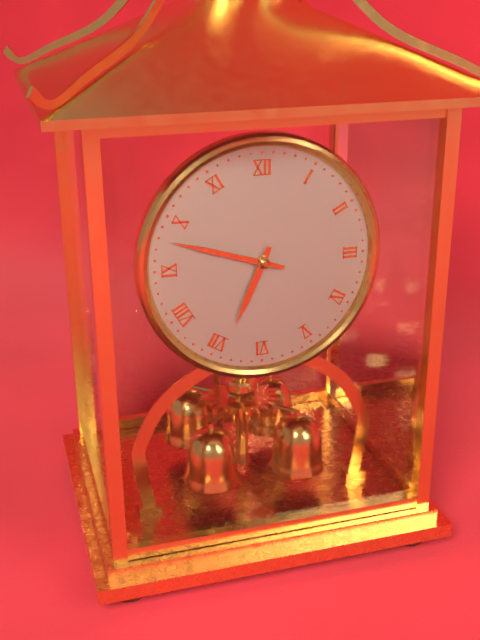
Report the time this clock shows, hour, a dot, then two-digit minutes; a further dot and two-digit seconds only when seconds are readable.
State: 6.48
